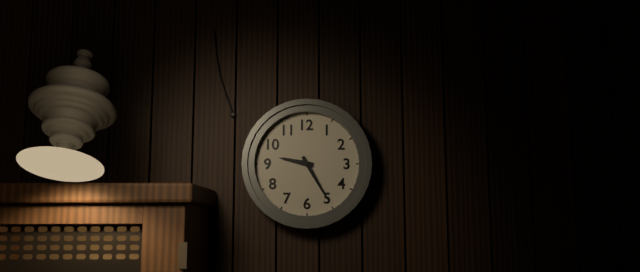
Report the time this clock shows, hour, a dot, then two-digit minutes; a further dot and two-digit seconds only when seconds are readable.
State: 9.25
